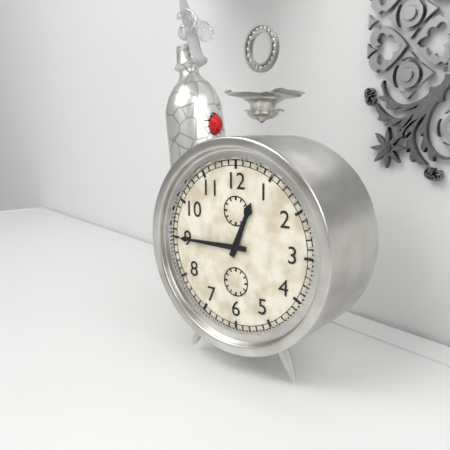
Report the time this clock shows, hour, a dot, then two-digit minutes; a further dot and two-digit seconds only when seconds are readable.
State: 12.45
